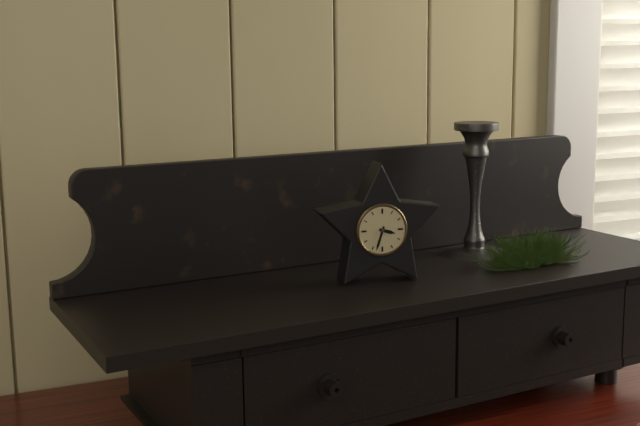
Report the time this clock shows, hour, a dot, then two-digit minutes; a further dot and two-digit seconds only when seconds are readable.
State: 3.33
